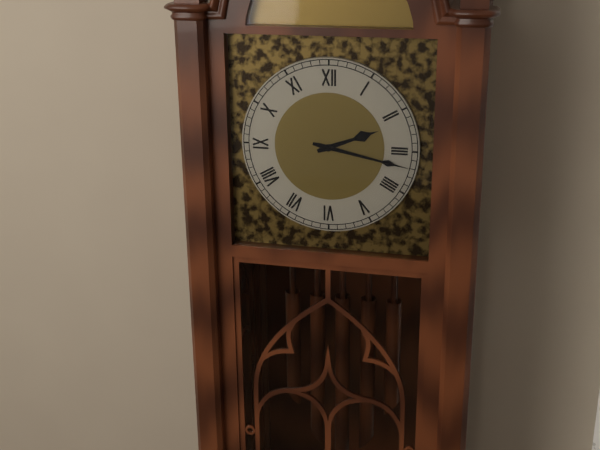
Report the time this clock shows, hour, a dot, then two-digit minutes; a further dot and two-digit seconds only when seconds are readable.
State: 2.17
